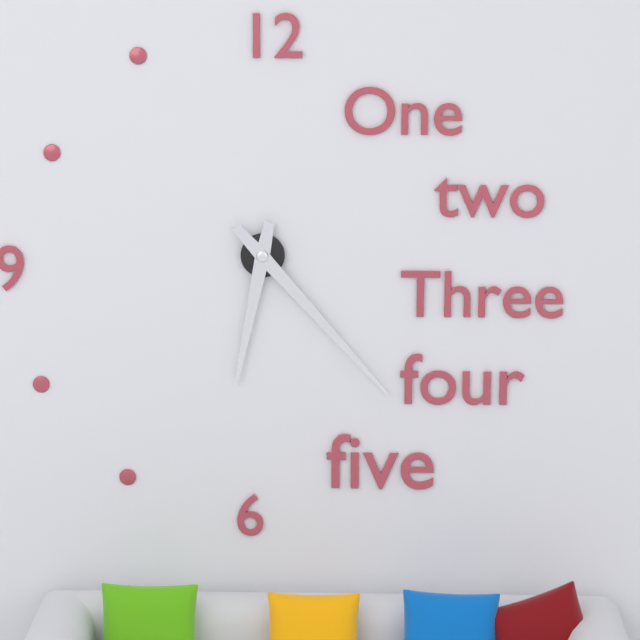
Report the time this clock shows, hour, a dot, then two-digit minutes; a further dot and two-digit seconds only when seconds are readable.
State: 6.23
